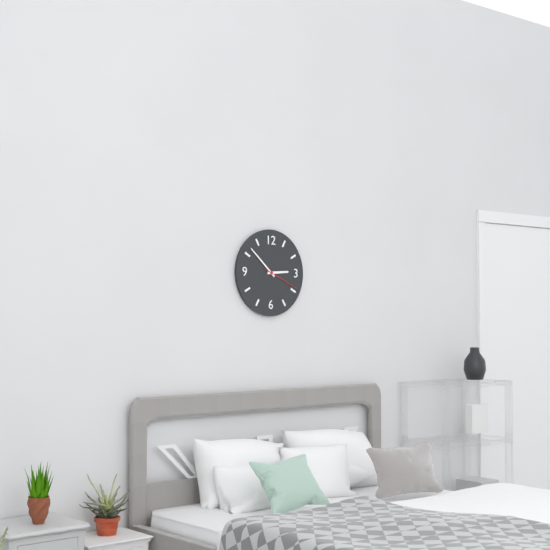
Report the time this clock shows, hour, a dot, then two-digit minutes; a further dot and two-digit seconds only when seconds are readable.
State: 2.52
